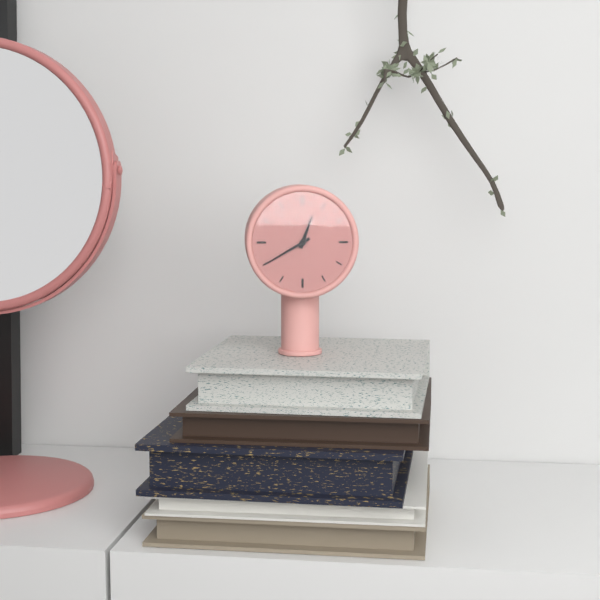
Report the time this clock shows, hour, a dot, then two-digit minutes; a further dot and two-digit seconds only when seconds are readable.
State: 12.40
